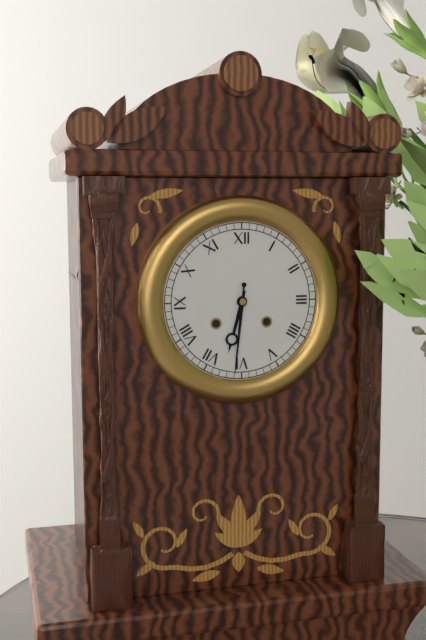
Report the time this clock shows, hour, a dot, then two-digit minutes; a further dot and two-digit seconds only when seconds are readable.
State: 6.31
